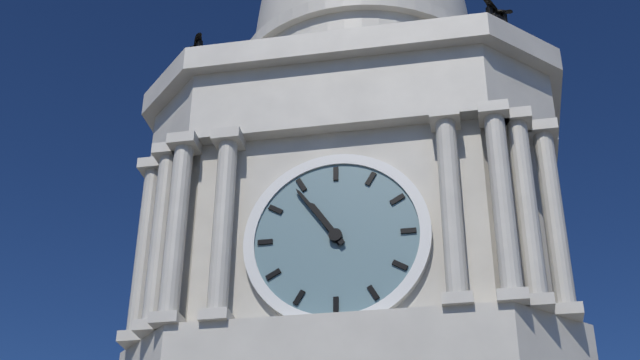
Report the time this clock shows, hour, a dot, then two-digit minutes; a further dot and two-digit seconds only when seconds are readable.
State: 10.54
